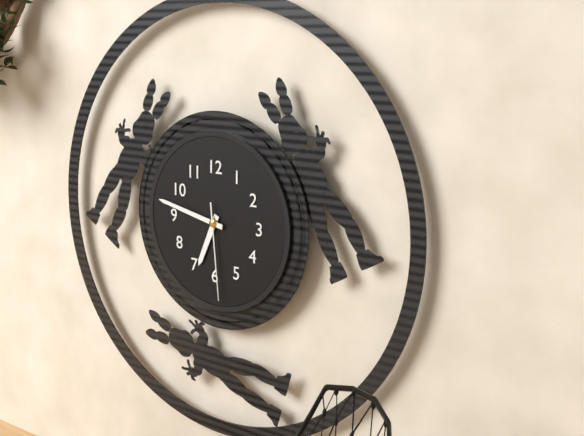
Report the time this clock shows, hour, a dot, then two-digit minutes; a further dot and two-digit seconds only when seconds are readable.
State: 6.47.29
